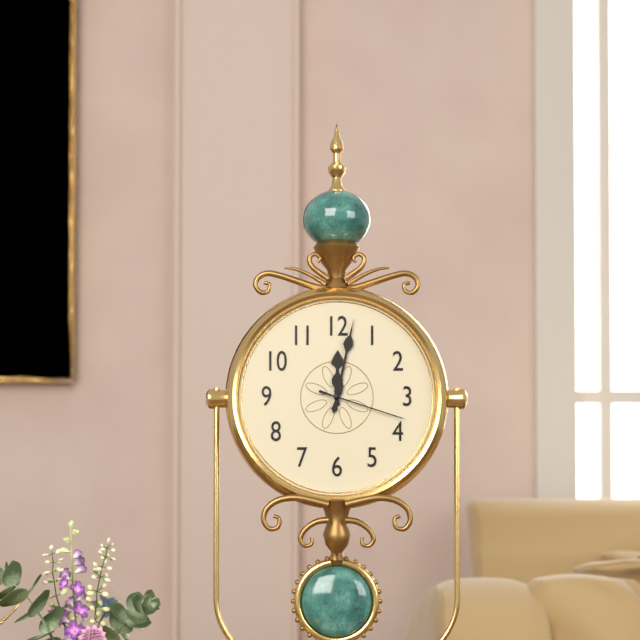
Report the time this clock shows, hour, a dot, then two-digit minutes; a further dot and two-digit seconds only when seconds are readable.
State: 12.02.18
